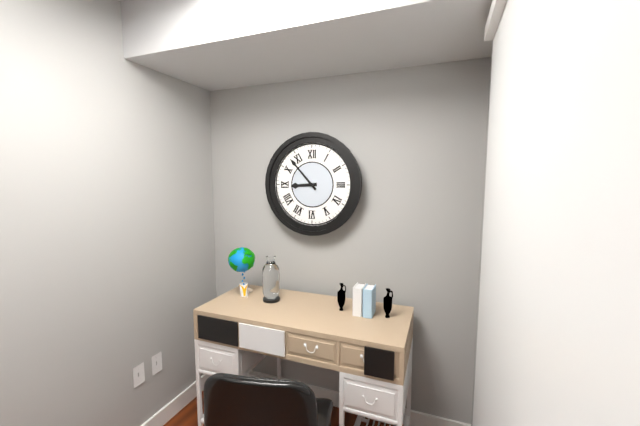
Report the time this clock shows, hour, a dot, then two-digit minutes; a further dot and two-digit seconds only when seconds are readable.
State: 8.53
